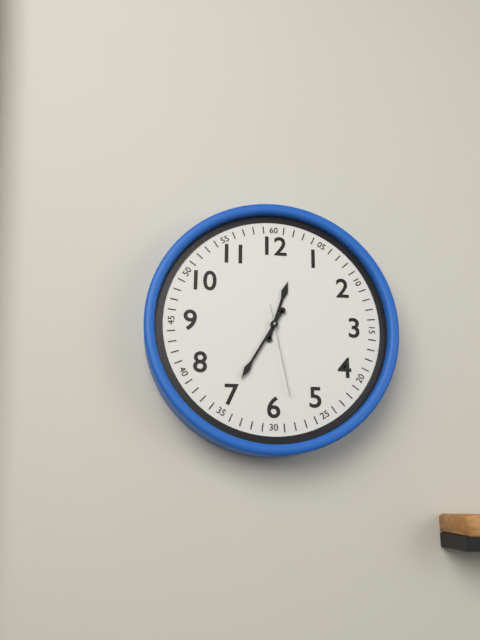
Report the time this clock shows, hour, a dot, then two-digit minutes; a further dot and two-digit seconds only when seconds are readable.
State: 12.35.28
